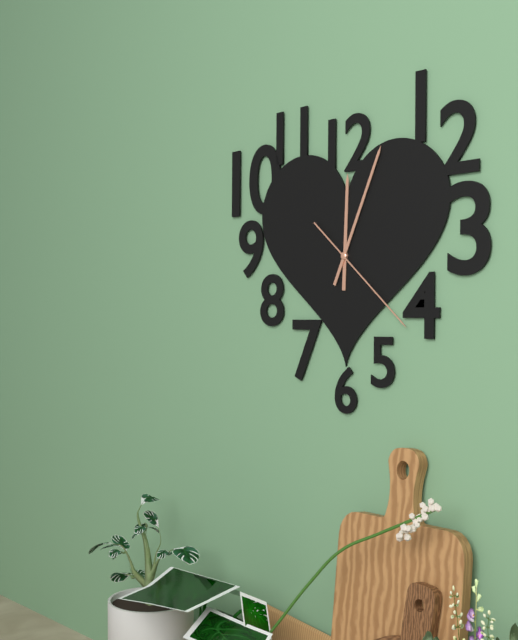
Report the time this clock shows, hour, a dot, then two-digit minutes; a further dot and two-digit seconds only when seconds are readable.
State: 12.04.22
